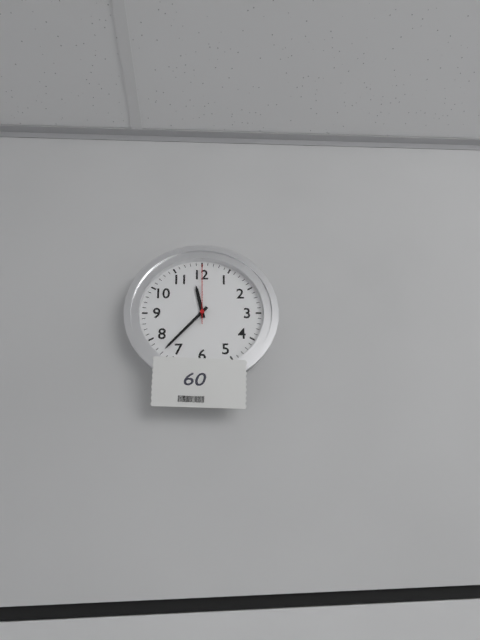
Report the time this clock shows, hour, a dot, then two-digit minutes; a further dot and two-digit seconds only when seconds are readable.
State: 11.37.00
